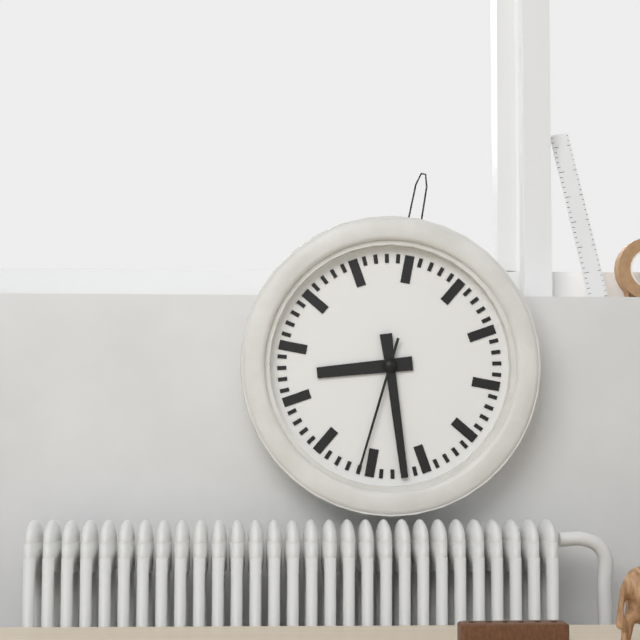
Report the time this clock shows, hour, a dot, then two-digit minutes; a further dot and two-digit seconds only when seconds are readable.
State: 8.27.31
